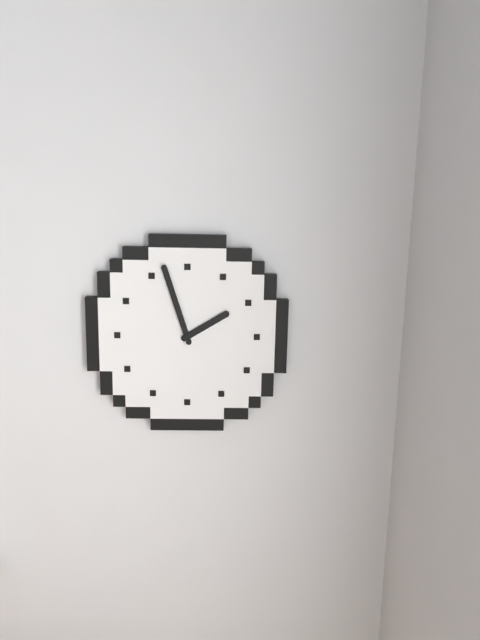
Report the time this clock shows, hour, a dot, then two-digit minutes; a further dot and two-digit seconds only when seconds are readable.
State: 1.57
